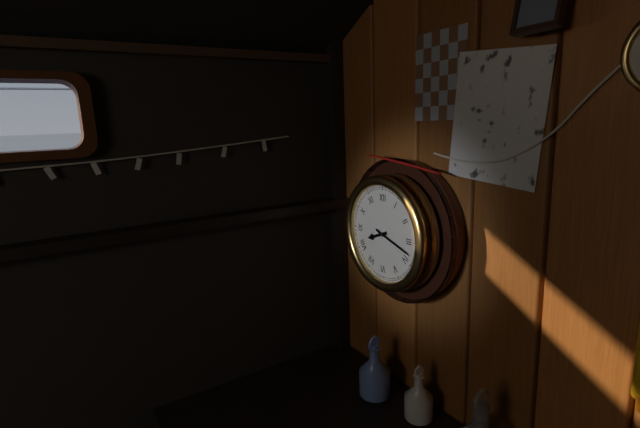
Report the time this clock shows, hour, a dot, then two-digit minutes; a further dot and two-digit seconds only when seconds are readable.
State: 8.18
